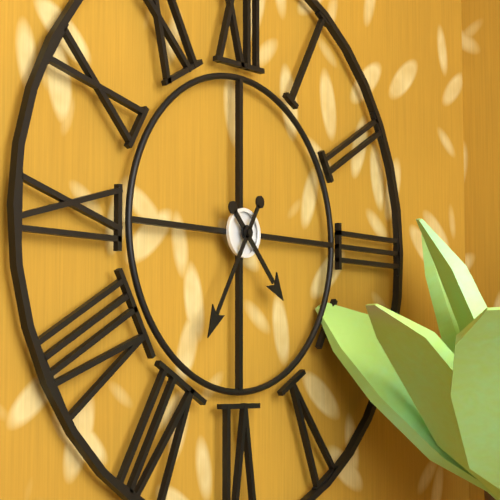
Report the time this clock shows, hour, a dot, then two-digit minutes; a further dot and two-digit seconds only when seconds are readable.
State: 4.35
